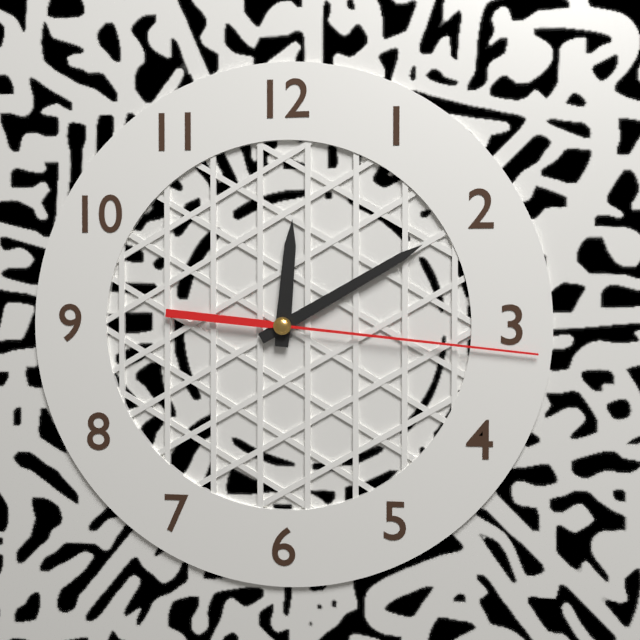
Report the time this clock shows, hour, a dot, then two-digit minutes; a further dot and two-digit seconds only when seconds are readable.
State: 12.10.16
